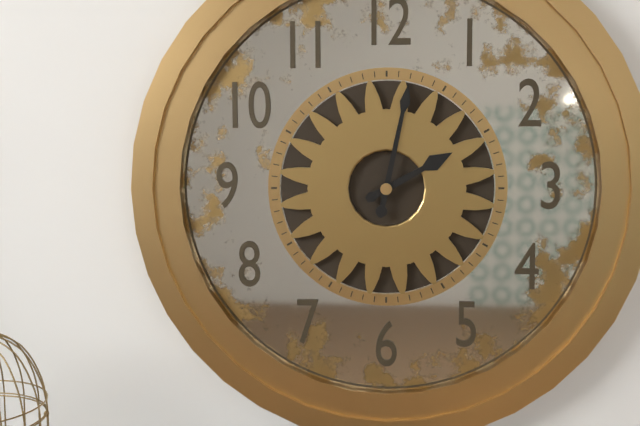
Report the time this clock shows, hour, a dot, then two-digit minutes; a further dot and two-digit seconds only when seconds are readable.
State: 2.02
